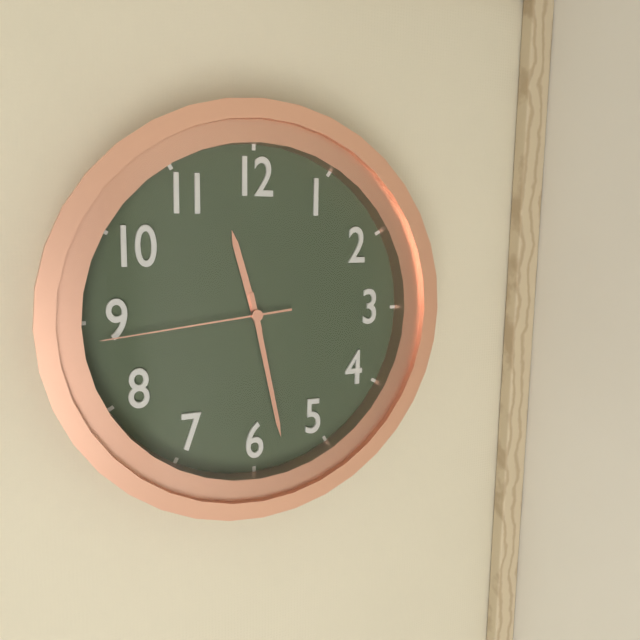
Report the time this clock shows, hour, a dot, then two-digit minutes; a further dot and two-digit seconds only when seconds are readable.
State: 11.28.44
